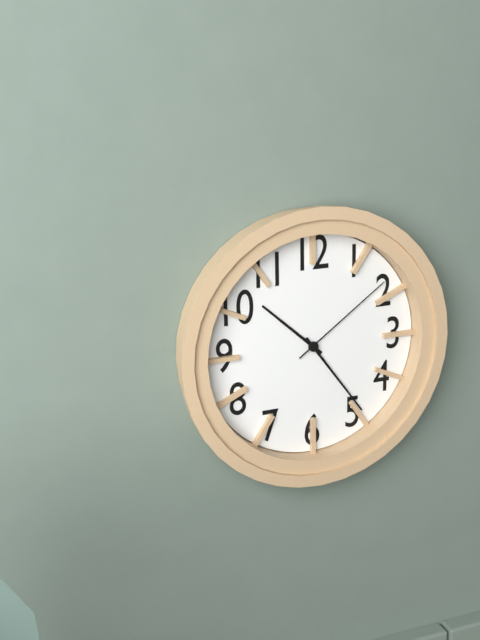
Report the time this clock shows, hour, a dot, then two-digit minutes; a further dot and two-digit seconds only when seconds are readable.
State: 10.24.09
